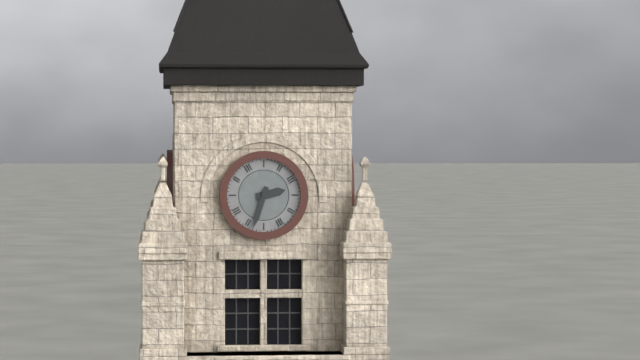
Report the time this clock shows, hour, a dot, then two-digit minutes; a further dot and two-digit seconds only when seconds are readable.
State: 2.33
